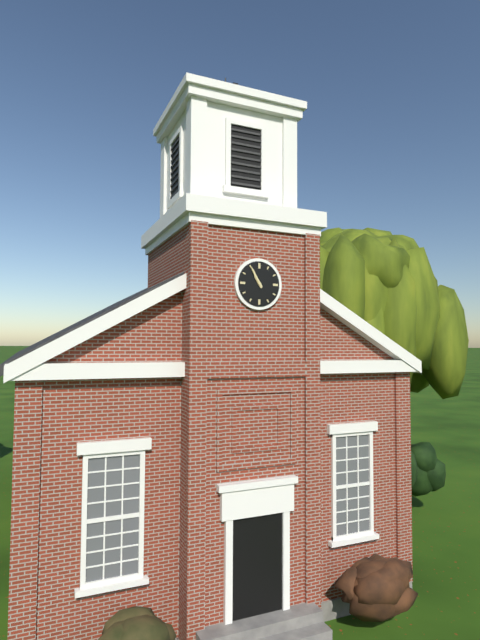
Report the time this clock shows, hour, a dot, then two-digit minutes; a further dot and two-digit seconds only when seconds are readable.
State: 10.55
